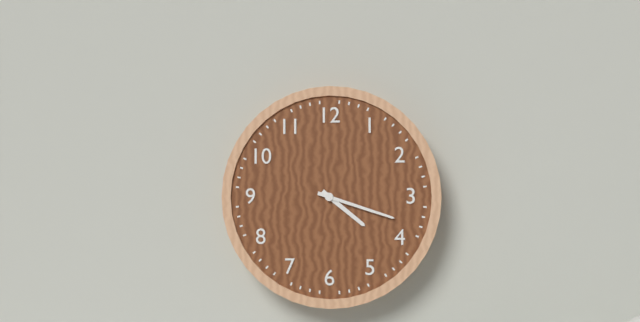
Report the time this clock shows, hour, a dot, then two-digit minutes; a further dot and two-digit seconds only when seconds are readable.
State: 4.18
